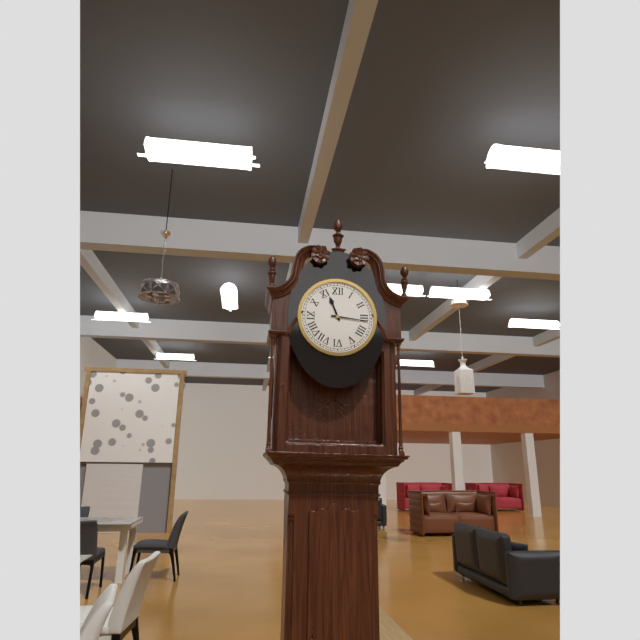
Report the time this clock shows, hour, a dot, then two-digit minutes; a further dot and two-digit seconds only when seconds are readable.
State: 11.16
